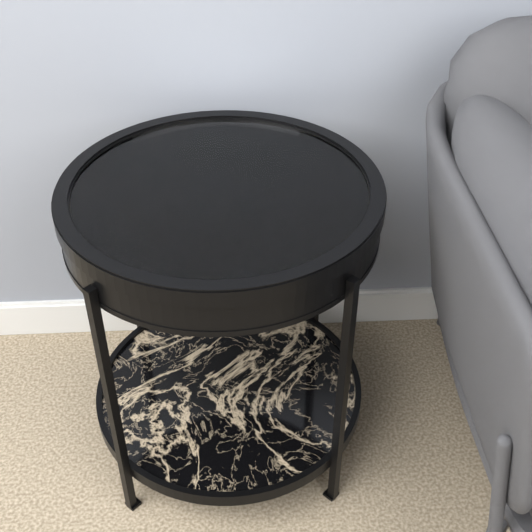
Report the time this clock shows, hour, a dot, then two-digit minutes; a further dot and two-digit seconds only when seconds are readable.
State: 5.18
